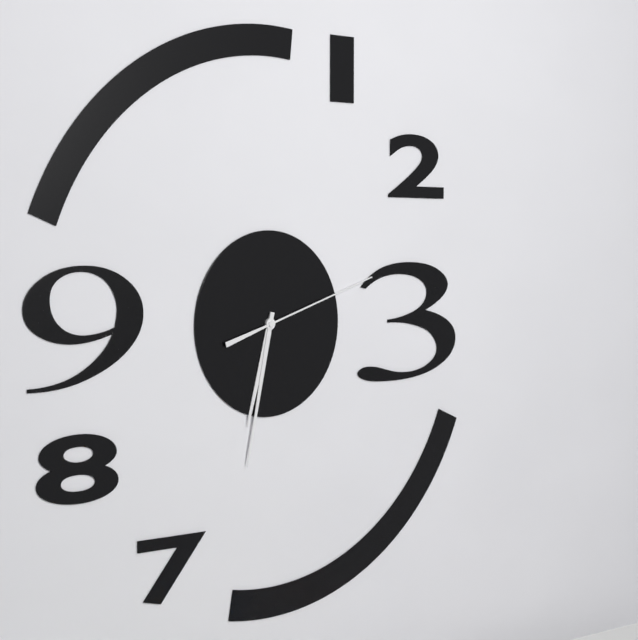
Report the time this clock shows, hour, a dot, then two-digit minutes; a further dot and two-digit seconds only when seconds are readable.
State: 6.32.12
